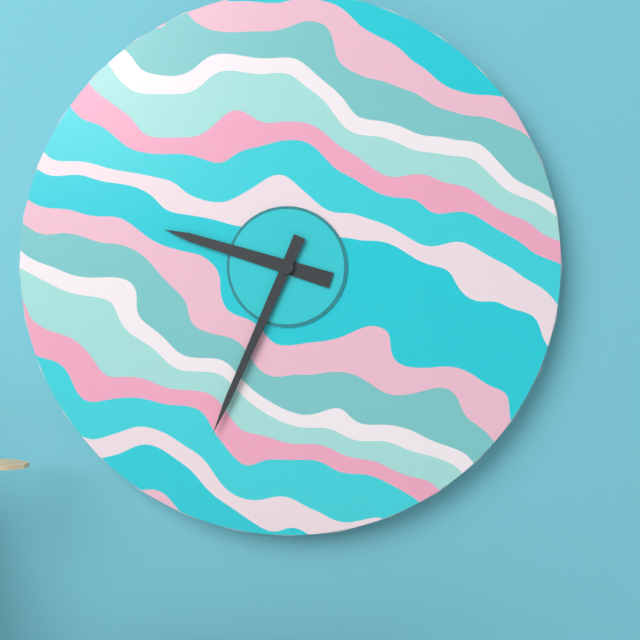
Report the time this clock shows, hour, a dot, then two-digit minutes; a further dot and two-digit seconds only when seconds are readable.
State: 9.34
